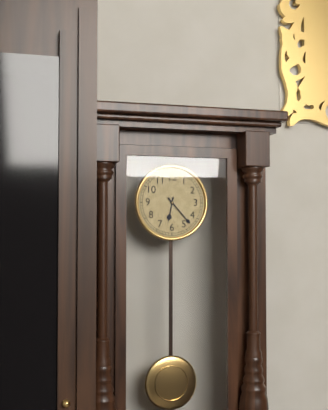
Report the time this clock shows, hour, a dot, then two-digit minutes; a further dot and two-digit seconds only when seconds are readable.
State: 6.23
